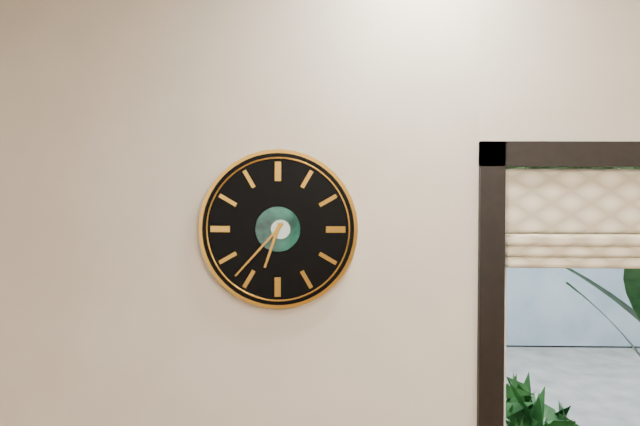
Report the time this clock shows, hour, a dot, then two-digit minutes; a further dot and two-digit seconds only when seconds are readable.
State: 6.37
